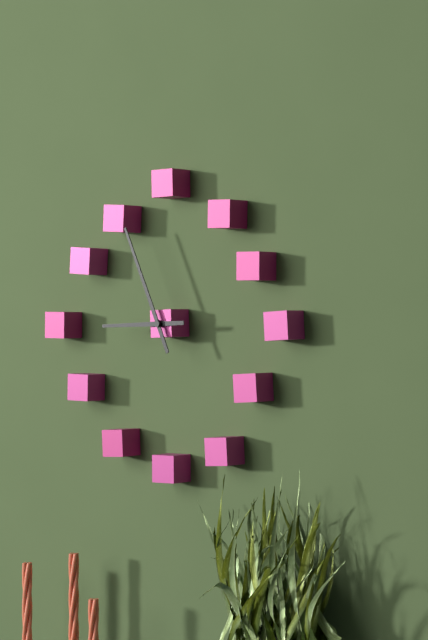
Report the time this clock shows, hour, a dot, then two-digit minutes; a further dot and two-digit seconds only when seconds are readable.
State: 8.56
